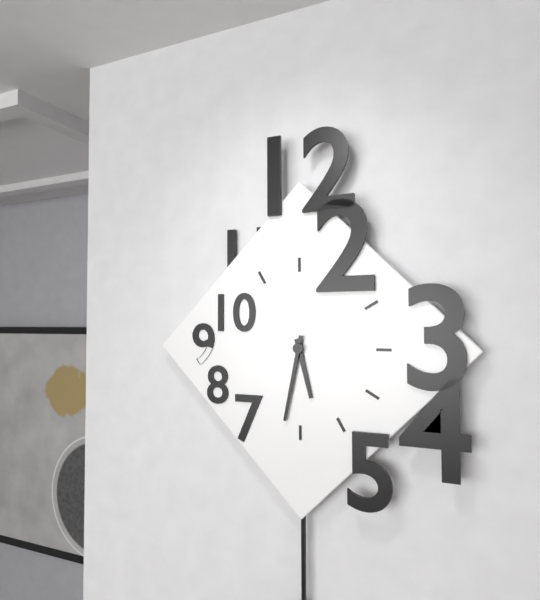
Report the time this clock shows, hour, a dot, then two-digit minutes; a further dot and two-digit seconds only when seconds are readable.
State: 5.32
